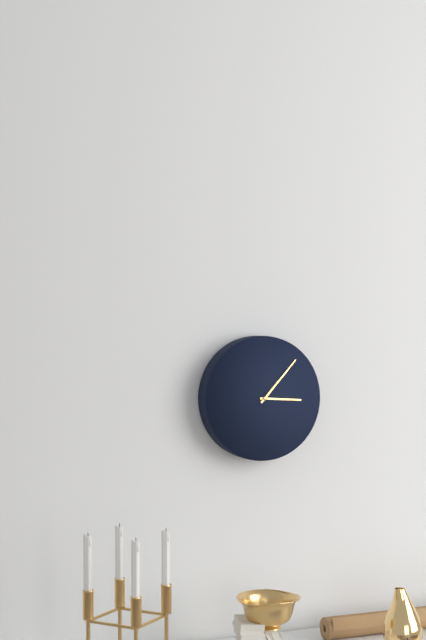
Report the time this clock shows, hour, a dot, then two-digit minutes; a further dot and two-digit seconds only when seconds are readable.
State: 3.07
